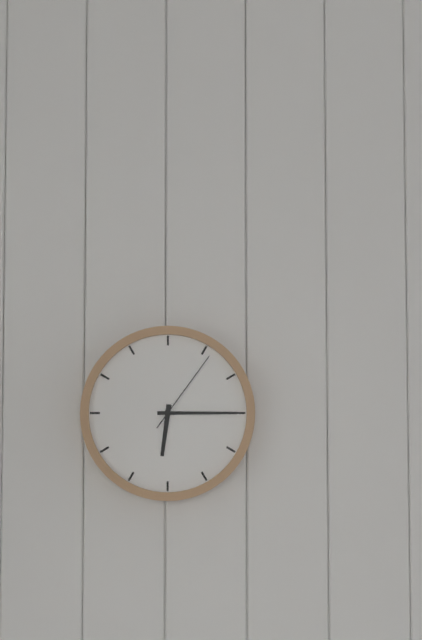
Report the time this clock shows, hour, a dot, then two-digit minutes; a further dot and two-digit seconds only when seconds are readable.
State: 6.15.06
